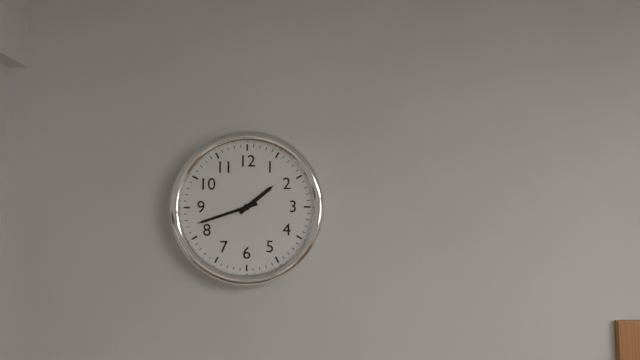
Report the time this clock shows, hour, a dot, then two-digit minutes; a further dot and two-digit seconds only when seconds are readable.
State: 1.42
